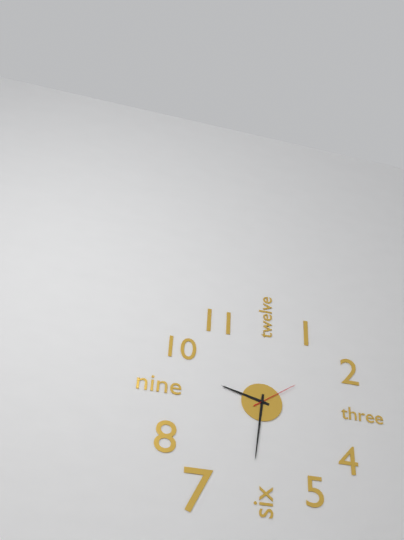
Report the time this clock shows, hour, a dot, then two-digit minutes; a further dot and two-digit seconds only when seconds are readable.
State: 9.31
